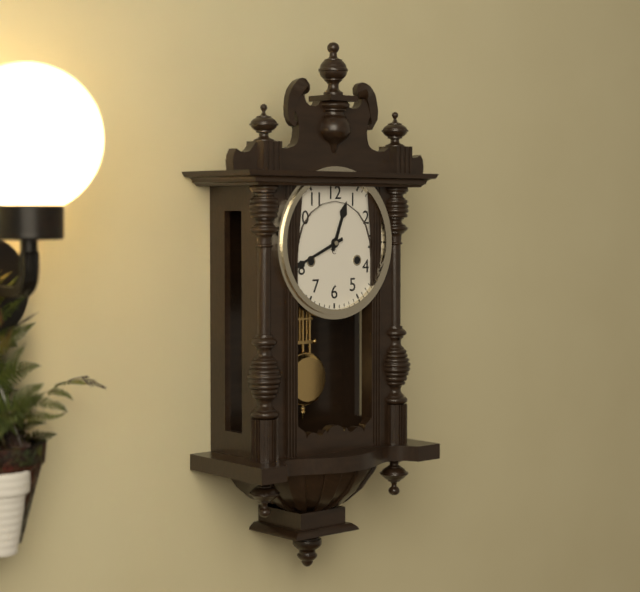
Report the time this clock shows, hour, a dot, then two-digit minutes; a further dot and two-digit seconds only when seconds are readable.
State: 12.41
